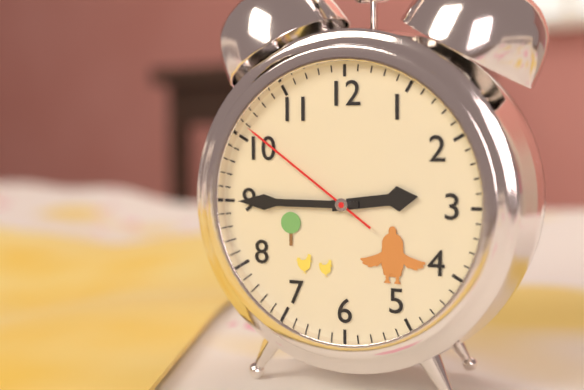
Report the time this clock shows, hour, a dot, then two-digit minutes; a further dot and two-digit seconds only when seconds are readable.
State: 2.45.51
